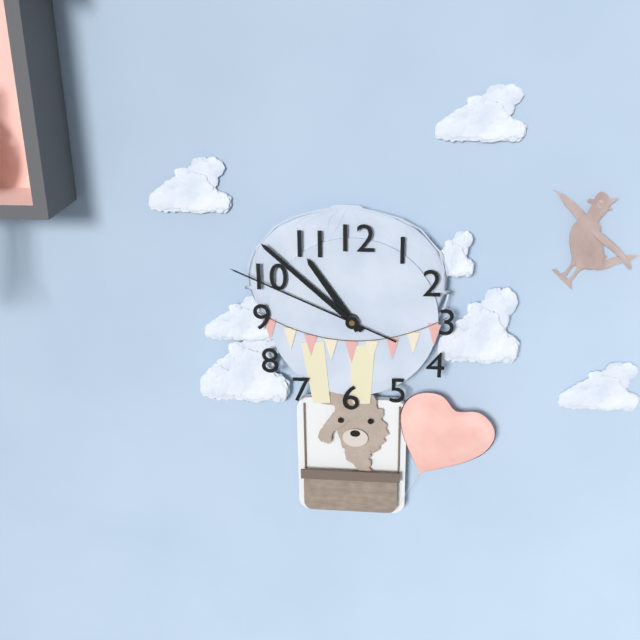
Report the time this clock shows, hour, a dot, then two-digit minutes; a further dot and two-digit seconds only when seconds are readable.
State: 10.52.49
